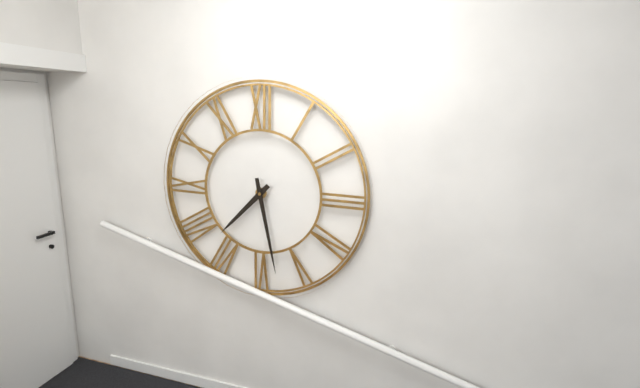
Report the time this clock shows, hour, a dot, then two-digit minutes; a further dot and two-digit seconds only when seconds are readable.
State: 7.28
